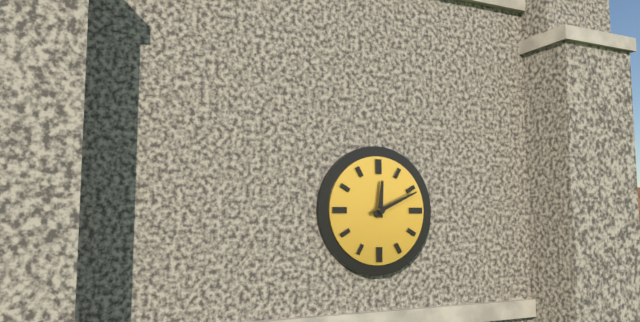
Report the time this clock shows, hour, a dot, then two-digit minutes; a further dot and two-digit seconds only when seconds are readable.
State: 12.11
